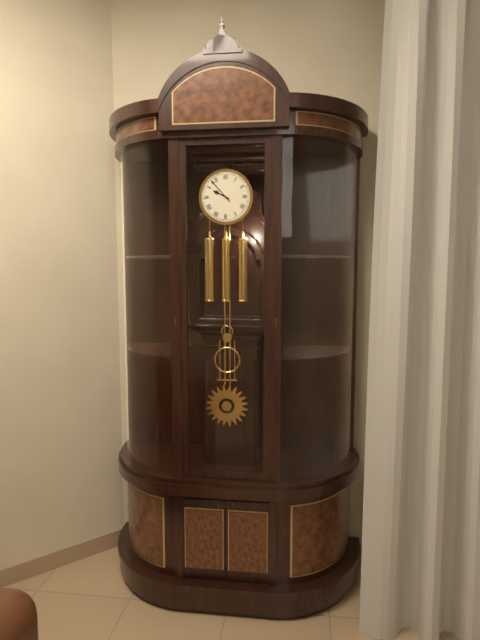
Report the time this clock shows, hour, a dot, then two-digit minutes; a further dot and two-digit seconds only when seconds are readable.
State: 9.53
